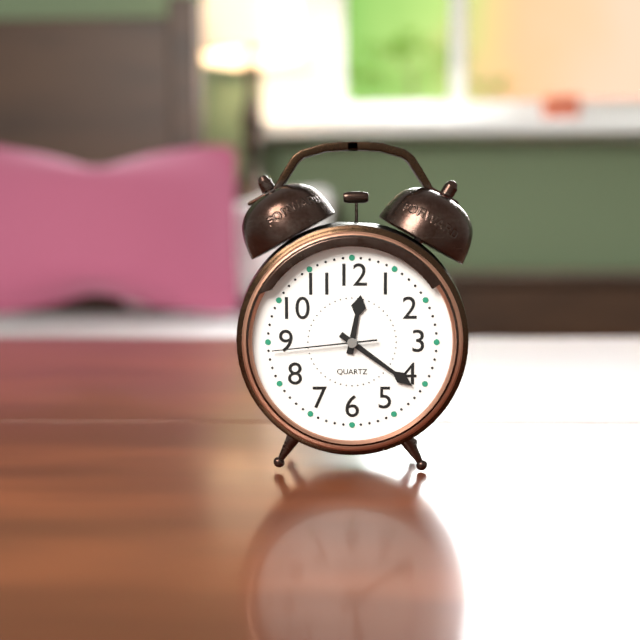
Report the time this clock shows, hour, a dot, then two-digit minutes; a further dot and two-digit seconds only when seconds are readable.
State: 12.21.44
